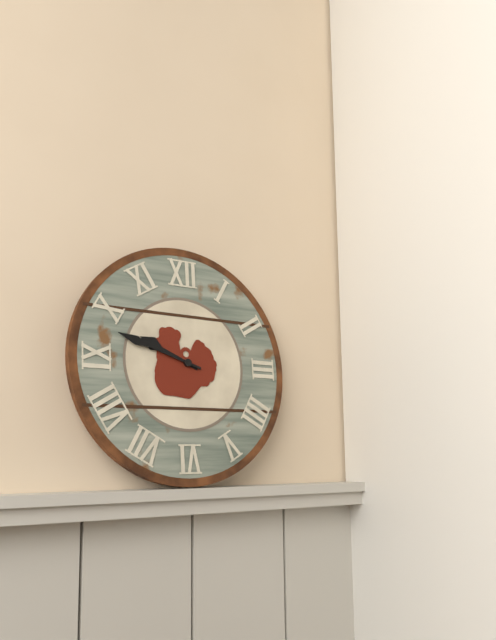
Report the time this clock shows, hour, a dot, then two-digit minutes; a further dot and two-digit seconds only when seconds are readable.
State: 9.48
